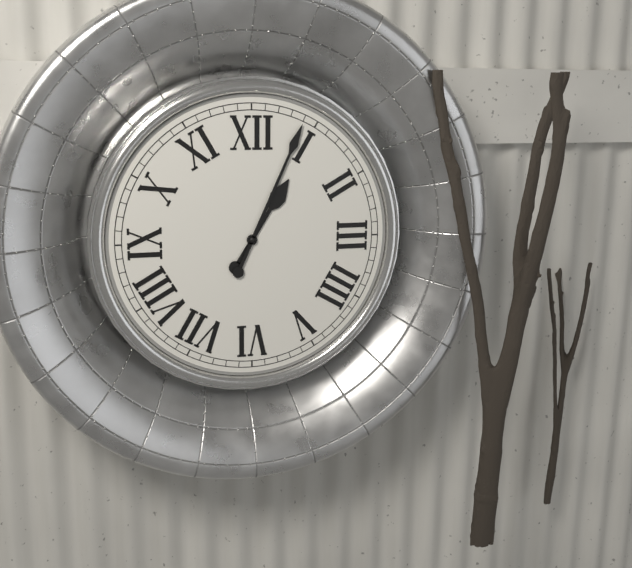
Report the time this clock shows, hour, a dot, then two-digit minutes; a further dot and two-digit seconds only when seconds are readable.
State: 1.04
